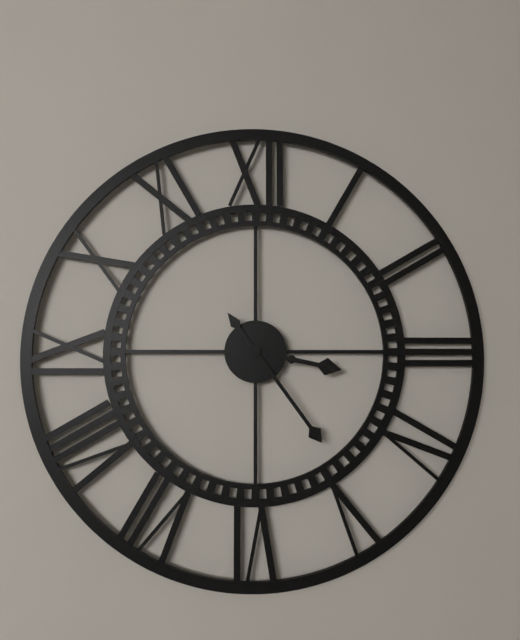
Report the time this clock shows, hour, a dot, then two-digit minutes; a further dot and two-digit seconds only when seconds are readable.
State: 3.24
